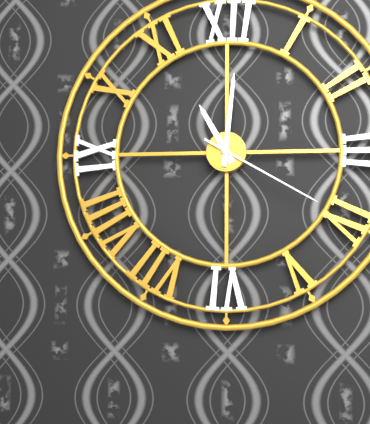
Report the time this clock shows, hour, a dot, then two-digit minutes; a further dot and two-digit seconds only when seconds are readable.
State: 11.01.20
